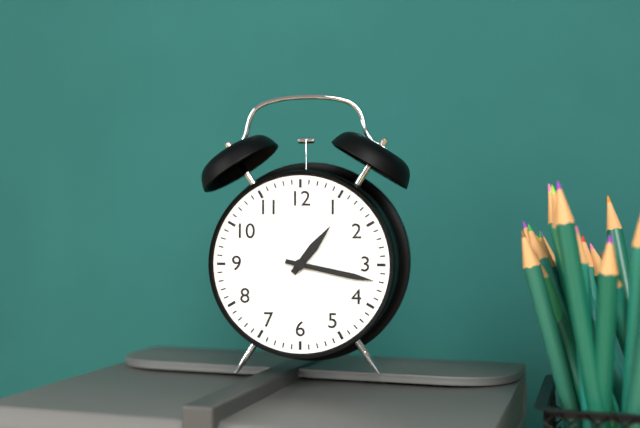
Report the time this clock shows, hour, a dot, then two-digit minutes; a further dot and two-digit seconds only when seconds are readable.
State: 1.17
